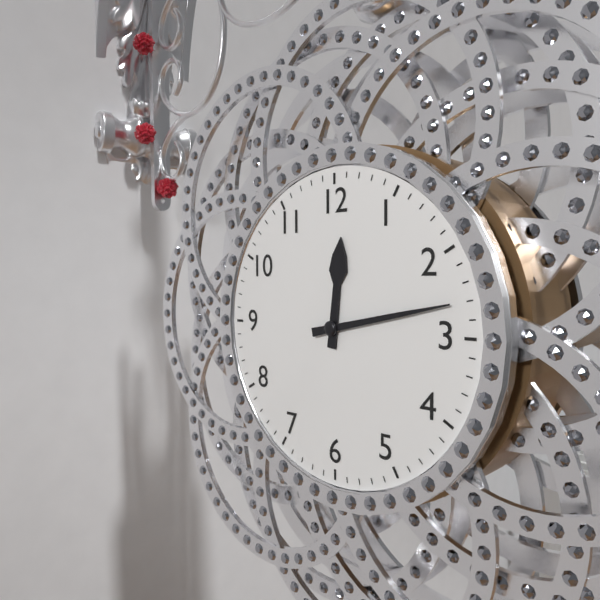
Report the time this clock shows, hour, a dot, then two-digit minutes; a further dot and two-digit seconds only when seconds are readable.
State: 12.13
